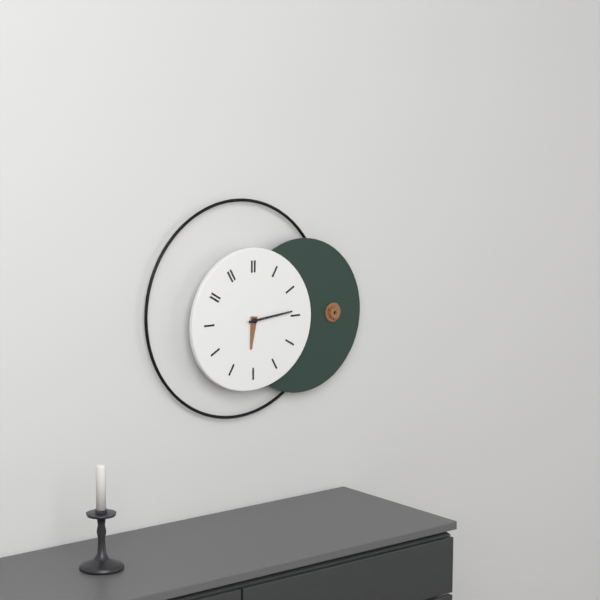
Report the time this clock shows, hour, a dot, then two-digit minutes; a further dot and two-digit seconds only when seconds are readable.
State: 6.14
